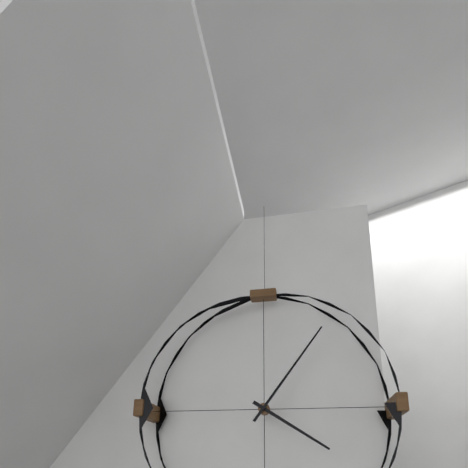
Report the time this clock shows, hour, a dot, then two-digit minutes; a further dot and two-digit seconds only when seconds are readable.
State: 4.06
